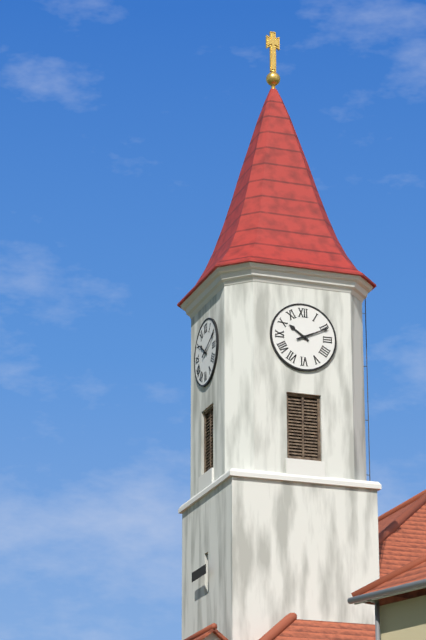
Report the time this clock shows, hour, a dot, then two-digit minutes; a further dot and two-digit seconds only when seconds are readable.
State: 10.11
